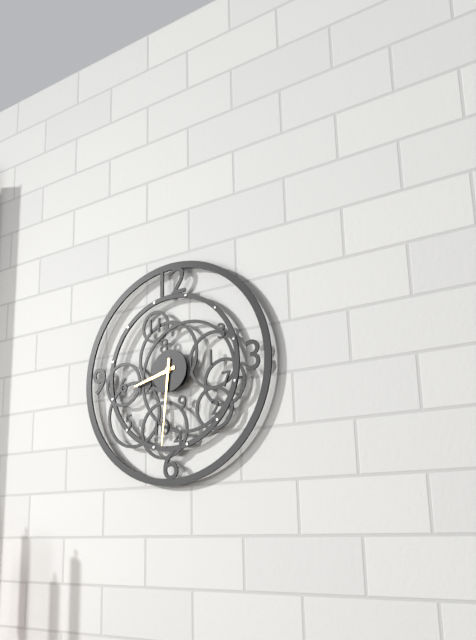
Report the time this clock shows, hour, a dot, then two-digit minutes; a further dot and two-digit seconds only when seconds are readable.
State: 8.31
